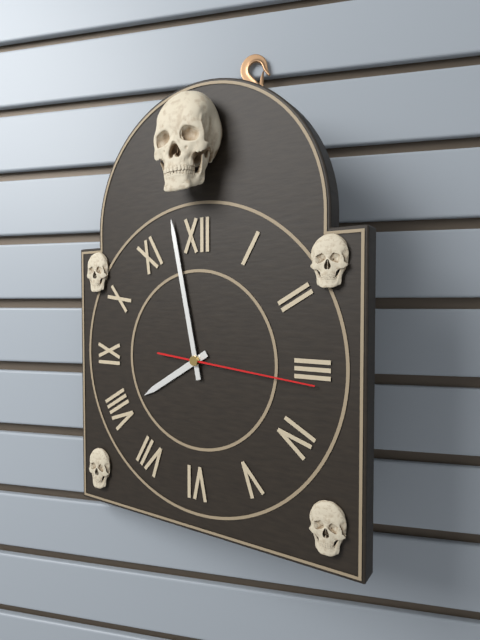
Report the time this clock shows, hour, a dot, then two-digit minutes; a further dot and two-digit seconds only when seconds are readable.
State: 7.58.16
